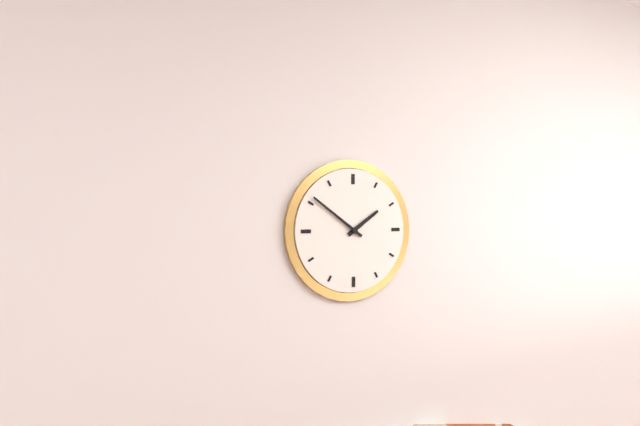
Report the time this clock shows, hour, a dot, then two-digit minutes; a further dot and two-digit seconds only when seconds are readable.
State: 1.51
